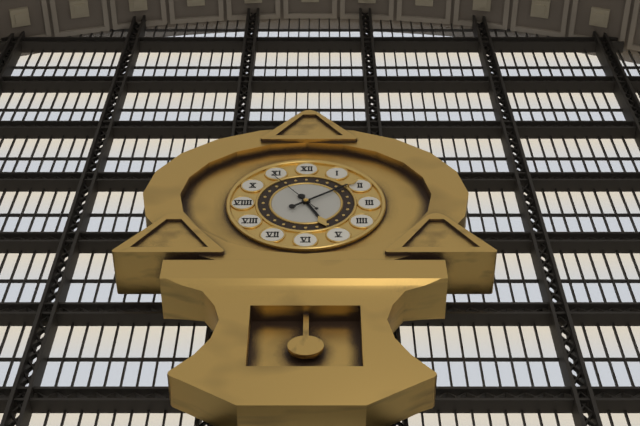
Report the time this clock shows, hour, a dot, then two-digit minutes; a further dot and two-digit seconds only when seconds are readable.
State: 5.09.54
